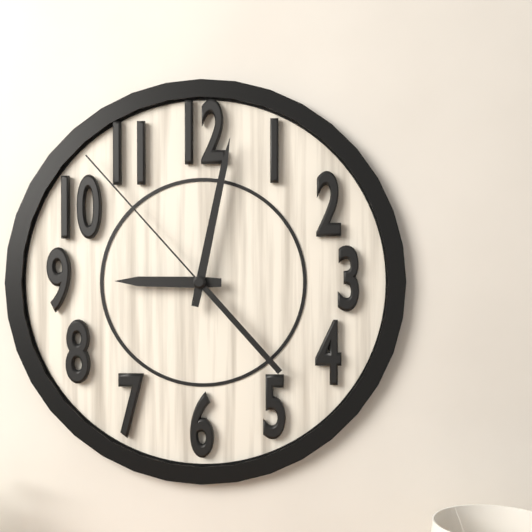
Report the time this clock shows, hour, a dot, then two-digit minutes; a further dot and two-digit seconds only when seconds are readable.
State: 9.02.53
